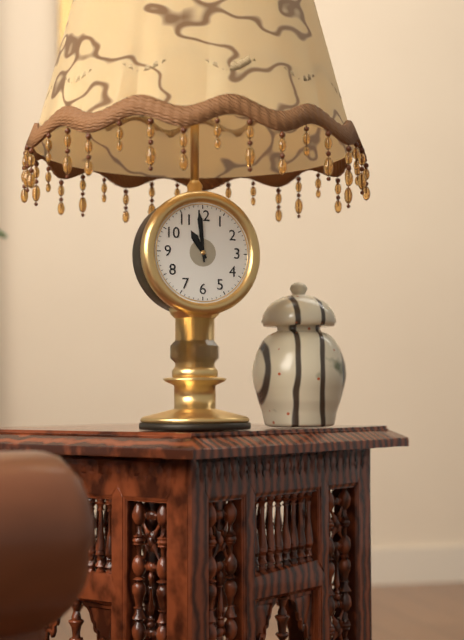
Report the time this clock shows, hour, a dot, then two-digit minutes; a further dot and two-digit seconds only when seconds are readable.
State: 10.59
